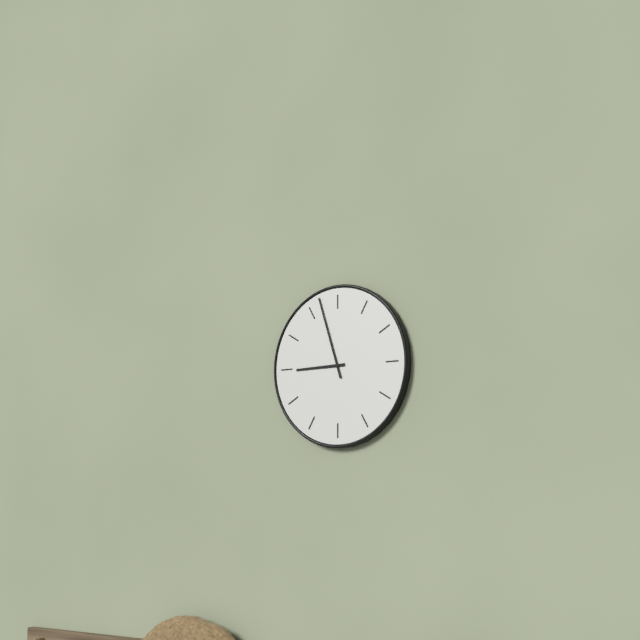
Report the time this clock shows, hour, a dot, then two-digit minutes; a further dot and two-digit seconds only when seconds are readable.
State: 8.57
